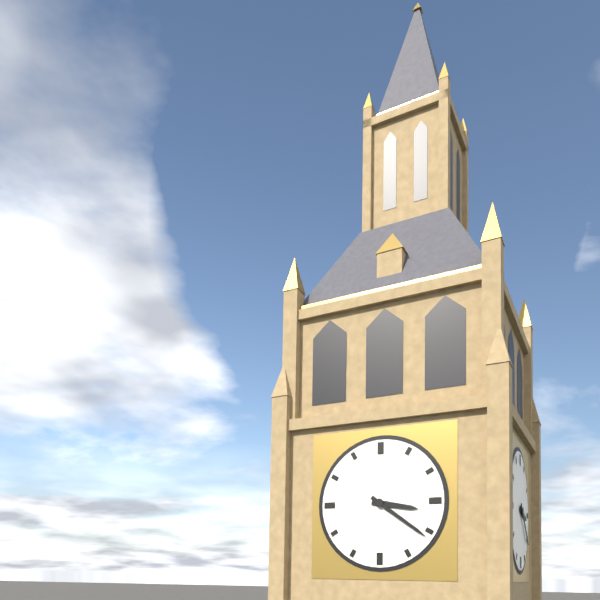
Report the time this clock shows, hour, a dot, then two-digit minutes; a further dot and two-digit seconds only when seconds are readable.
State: 3.21
